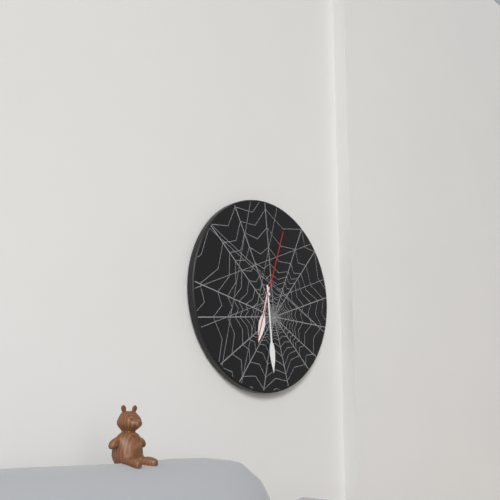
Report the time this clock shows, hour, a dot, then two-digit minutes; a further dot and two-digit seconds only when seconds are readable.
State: 6.29.03
